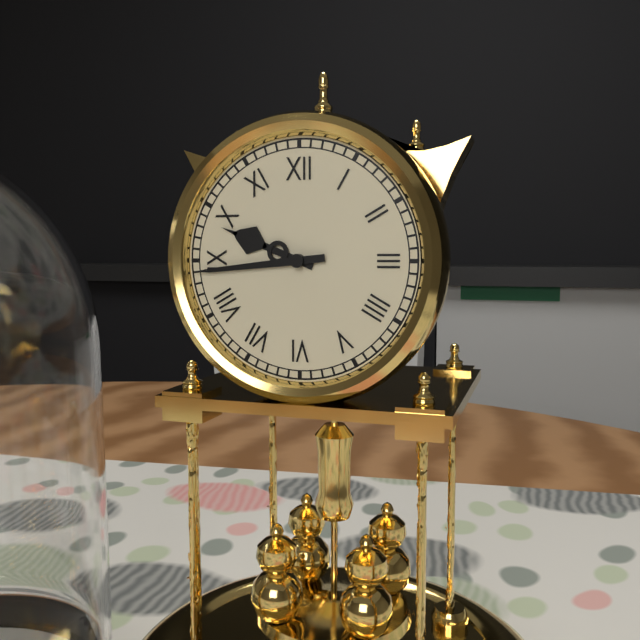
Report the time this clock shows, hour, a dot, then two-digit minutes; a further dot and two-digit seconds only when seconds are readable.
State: 9.44
